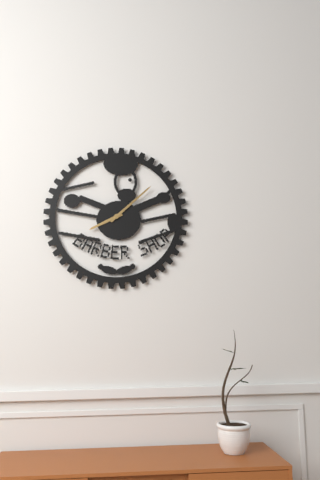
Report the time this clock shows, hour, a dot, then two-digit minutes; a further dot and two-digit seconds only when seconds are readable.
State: 8.08
